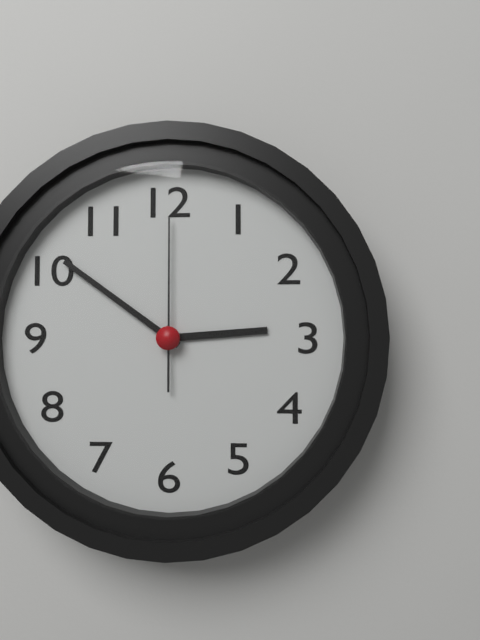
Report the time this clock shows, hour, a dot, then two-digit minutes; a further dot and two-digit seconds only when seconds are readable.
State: 2.51.00
